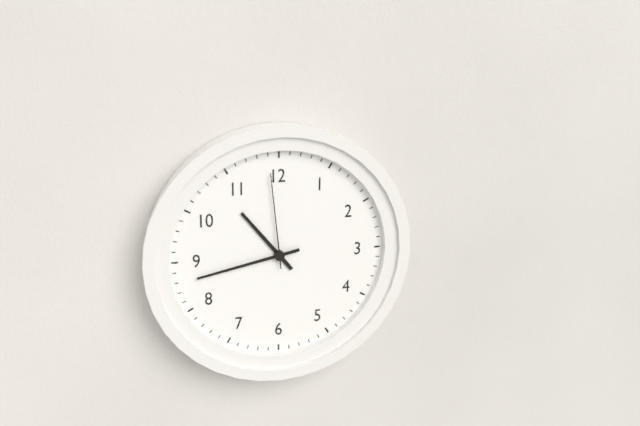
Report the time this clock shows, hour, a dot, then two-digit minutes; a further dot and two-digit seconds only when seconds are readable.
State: 10.43.59
